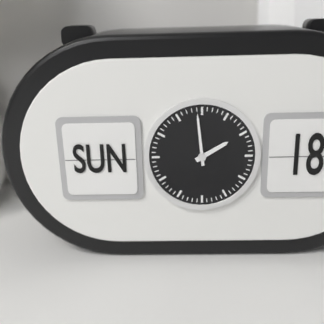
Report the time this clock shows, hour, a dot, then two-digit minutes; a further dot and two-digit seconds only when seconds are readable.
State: 1.59
